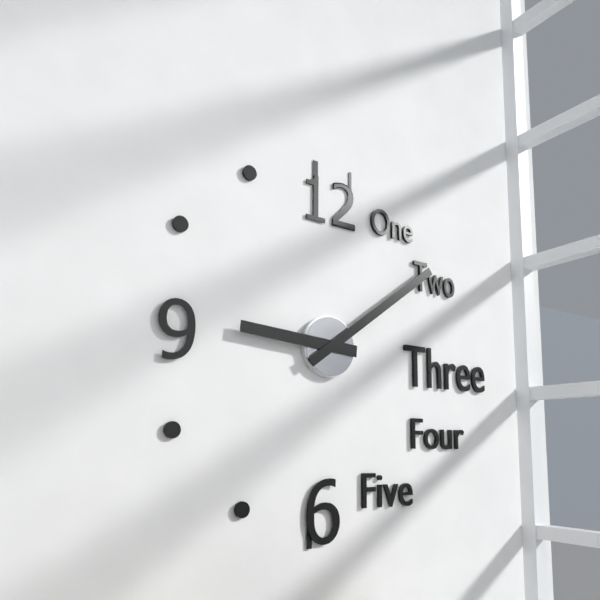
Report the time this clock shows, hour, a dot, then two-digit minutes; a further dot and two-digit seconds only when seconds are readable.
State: 9.09
